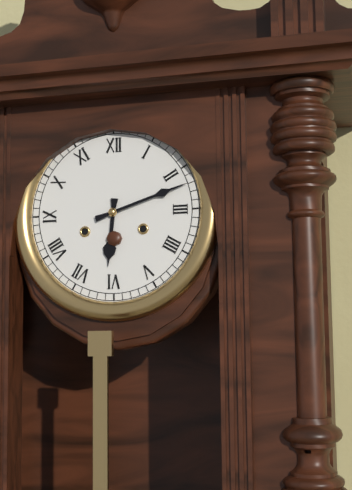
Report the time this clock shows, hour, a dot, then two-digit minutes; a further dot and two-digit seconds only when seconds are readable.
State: 6.12
